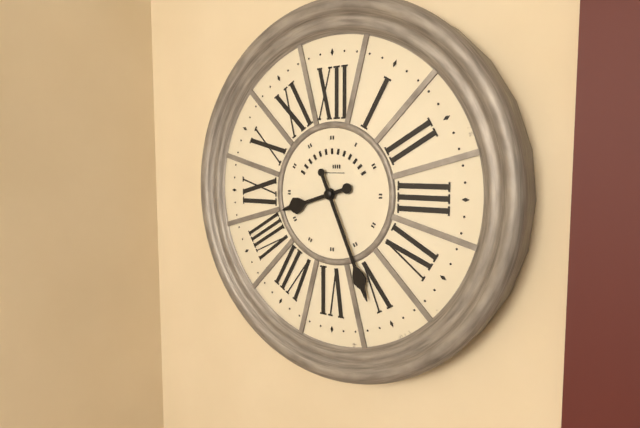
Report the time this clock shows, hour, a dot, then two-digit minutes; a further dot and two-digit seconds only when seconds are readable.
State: 8.26
